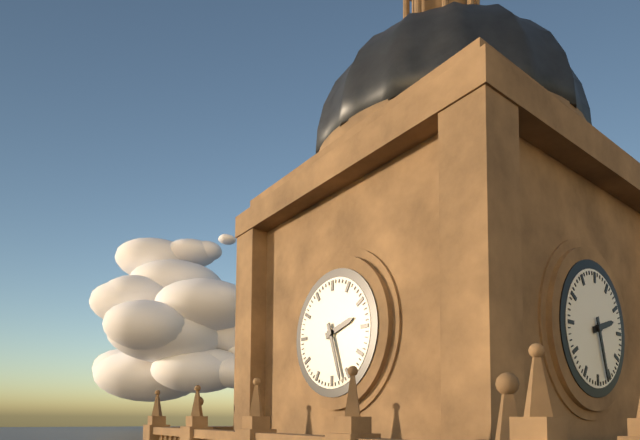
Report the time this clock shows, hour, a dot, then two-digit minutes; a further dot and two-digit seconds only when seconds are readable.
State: 2.27
